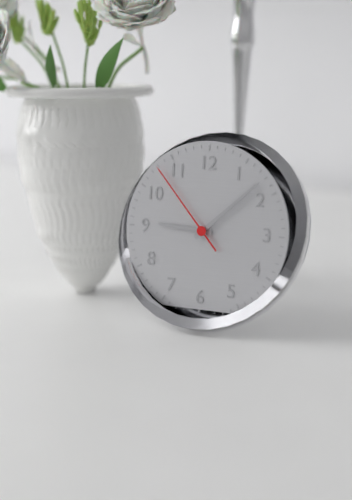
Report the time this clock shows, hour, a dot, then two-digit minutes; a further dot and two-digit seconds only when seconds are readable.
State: 9.08.53
